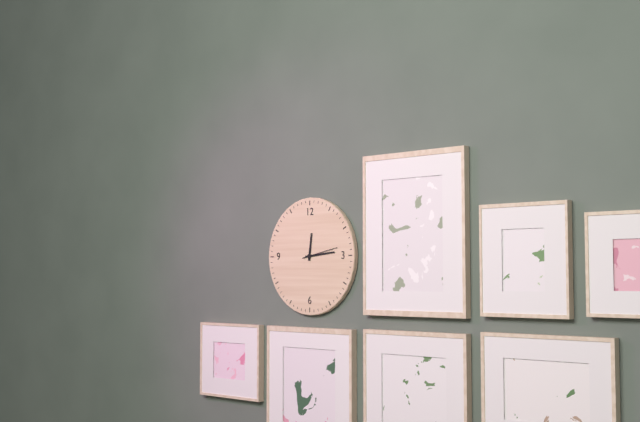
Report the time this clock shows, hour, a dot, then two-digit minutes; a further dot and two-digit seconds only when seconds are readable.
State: 12.14
